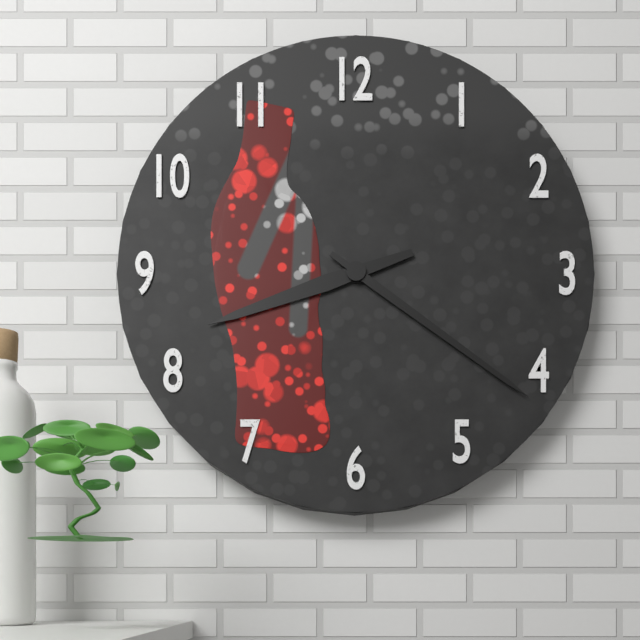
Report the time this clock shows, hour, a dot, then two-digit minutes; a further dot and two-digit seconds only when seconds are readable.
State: 8.21
